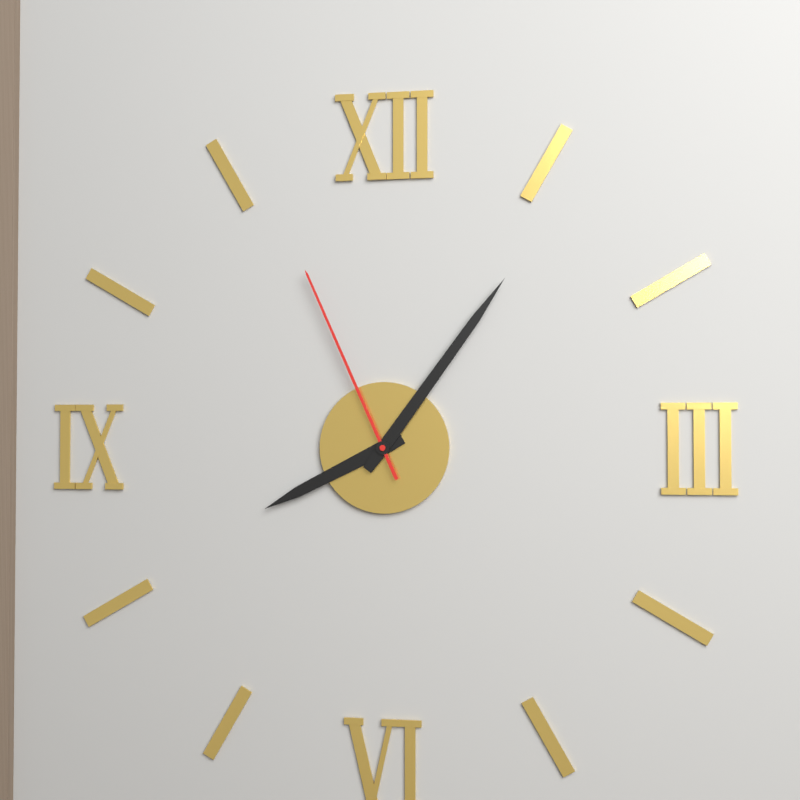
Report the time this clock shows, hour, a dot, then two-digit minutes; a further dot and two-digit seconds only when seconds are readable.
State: 8.06.56
